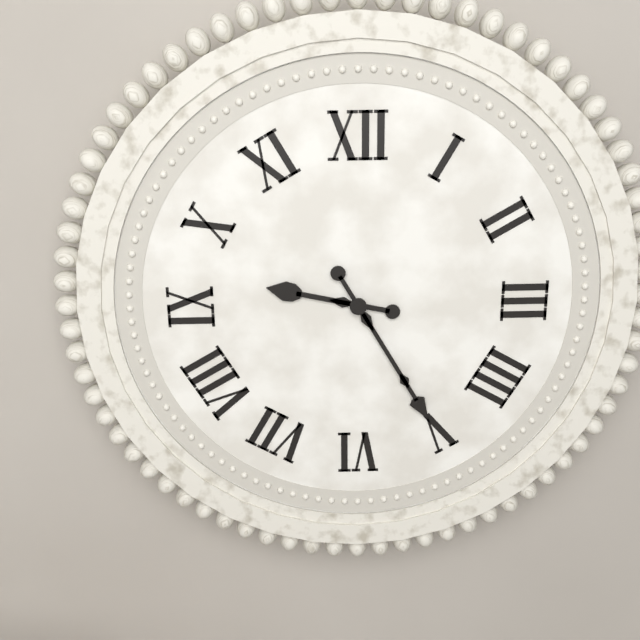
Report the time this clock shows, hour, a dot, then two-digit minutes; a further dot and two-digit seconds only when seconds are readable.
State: 9.25
